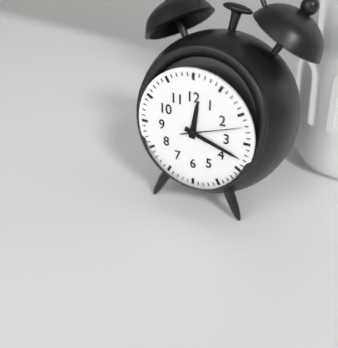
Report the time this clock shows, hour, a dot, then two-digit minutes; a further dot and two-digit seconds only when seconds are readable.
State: 12.18.12
